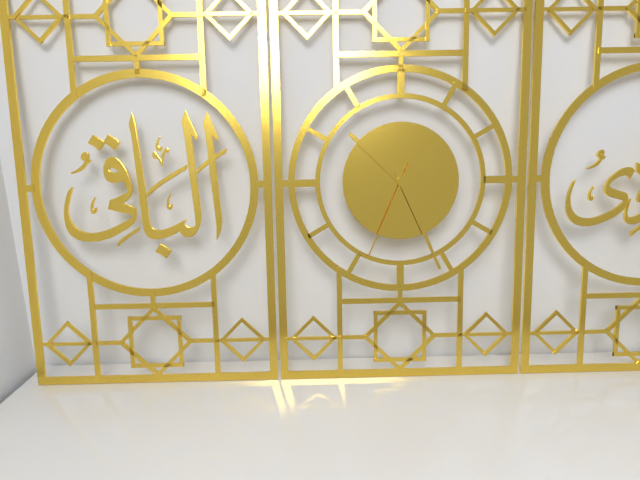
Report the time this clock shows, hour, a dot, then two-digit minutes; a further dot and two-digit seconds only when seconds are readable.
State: 10.26.34
